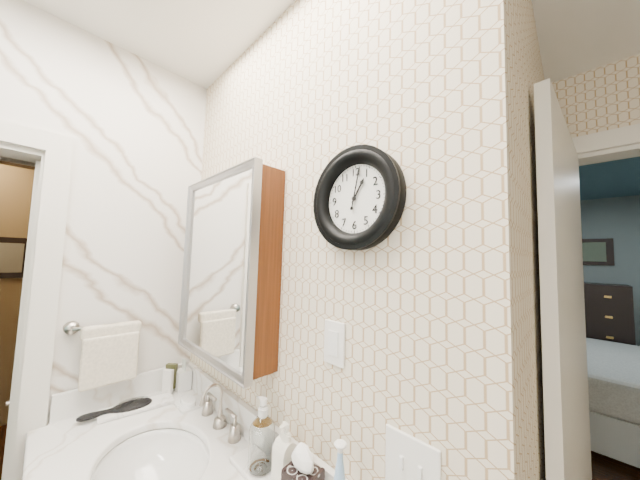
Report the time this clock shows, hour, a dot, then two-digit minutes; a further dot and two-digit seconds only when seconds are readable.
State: 1.02
